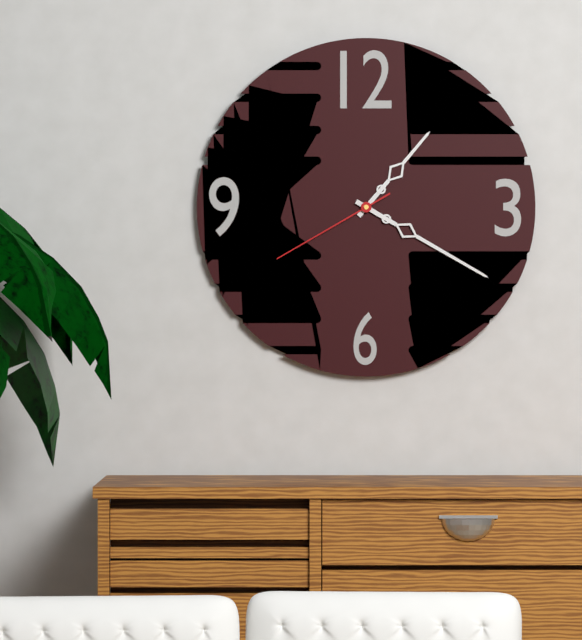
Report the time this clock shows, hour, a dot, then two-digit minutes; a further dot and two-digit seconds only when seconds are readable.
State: 1.20.40
